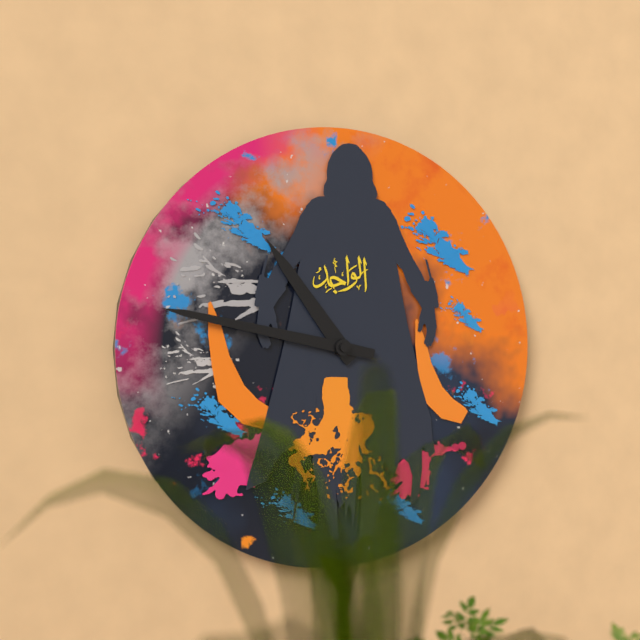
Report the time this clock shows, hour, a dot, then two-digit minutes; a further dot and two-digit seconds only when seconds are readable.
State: 10.47
